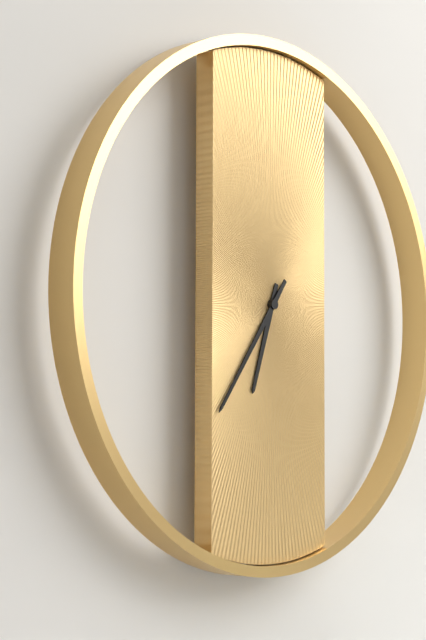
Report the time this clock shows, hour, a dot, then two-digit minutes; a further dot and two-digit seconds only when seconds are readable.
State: 6.36
